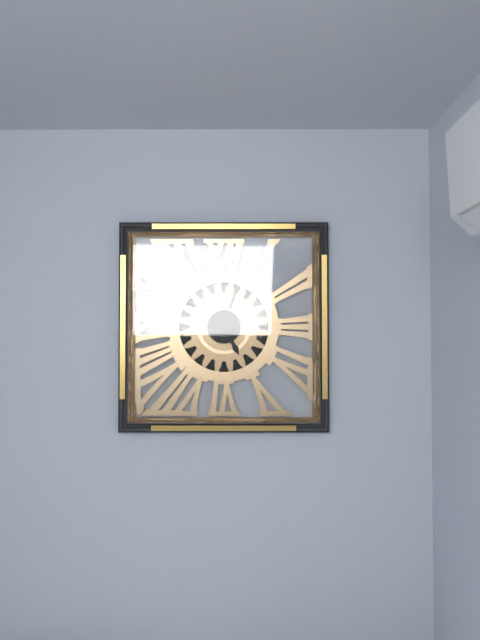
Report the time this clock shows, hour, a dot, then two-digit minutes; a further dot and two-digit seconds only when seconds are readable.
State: 5.03
